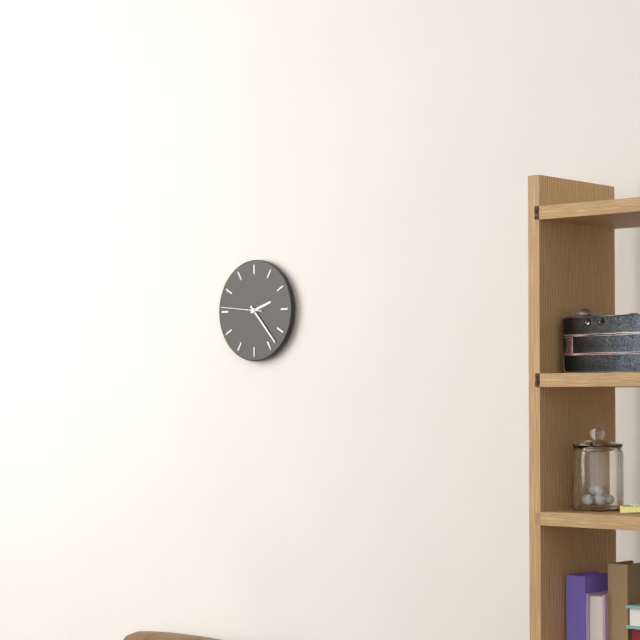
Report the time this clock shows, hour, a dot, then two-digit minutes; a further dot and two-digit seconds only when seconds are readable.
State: 2.23
